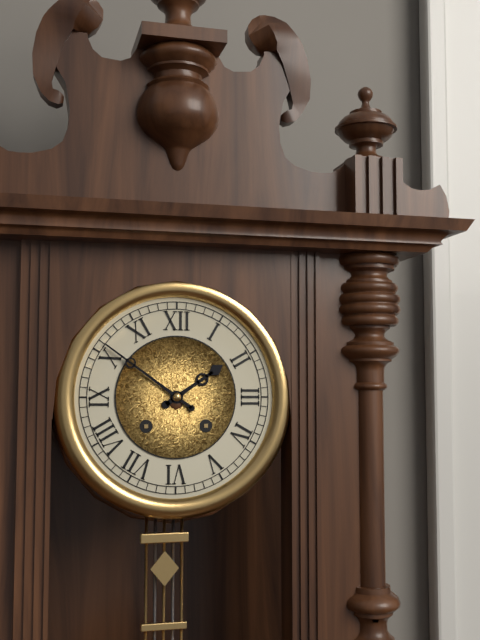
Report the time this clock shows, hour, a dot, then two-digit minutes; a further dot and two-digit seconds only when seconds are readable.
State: 1.51
